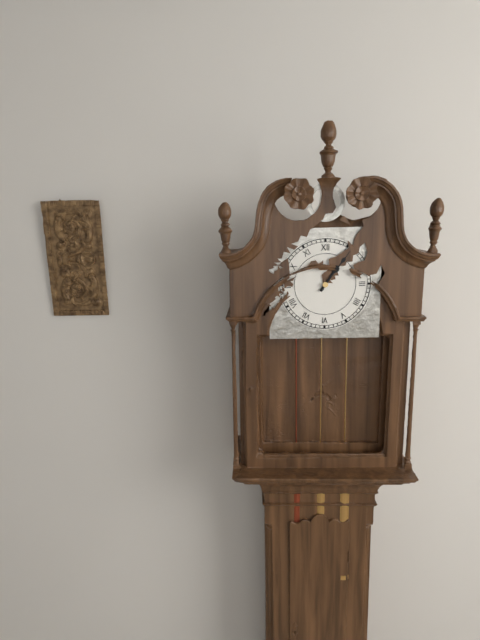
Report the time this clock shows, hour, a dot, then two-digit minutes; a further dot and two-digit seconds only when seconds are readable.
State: 1.06
